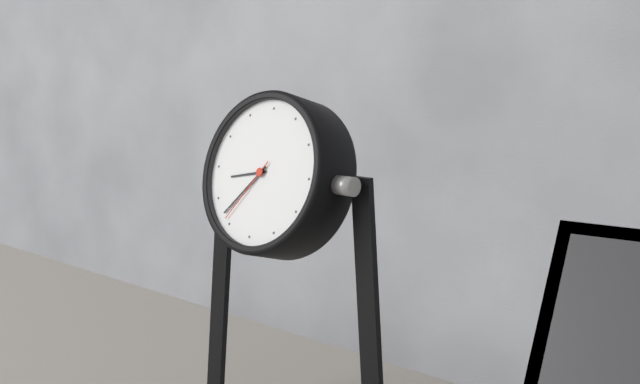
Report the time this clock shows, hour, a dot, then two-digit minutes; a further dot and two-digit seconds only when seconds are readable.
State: 8.37.36
